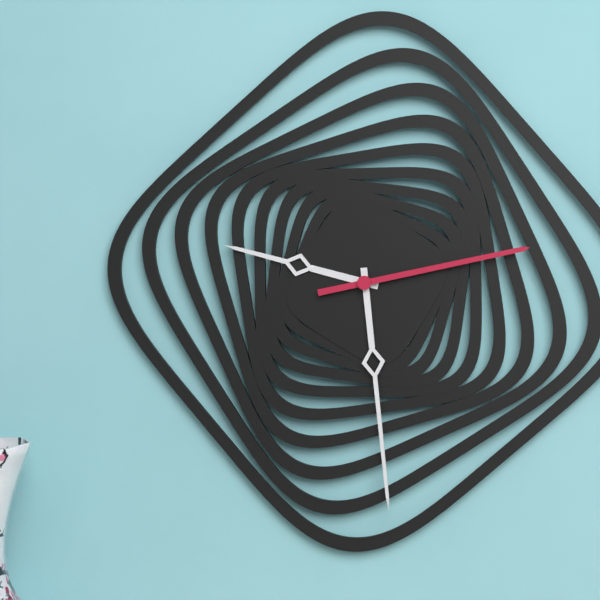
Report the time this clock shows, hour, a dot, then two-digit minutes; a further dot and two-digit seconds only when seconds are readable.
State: 9.29.13
